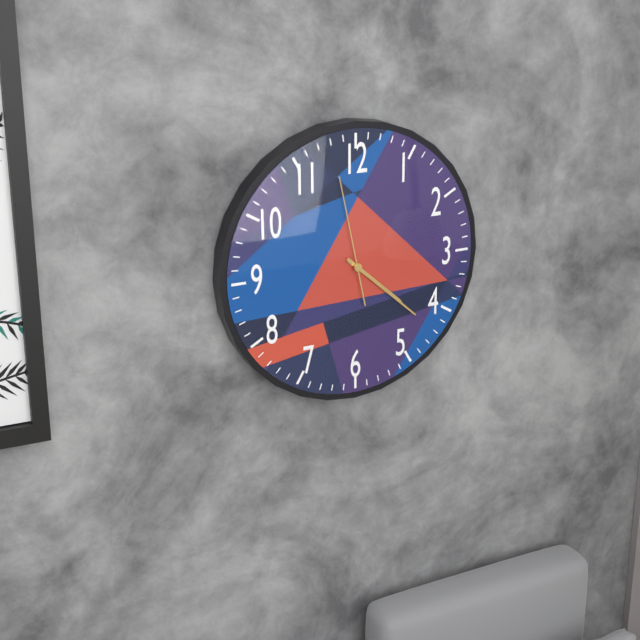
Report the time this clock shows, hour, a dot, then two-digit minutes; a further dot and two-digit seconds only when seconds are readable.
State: 4.22.58
